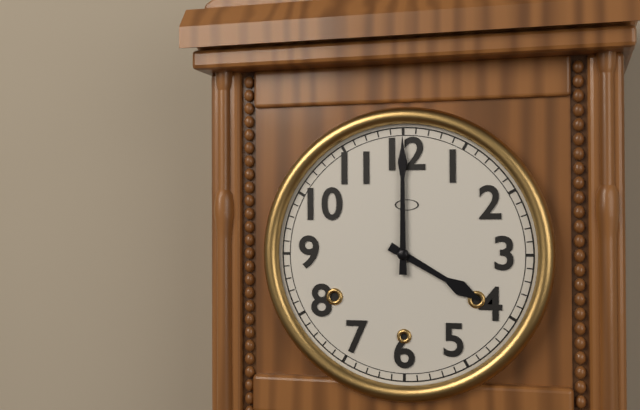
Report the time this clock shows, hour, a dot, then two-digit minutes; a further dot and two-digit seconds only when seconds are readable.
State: 4.00
